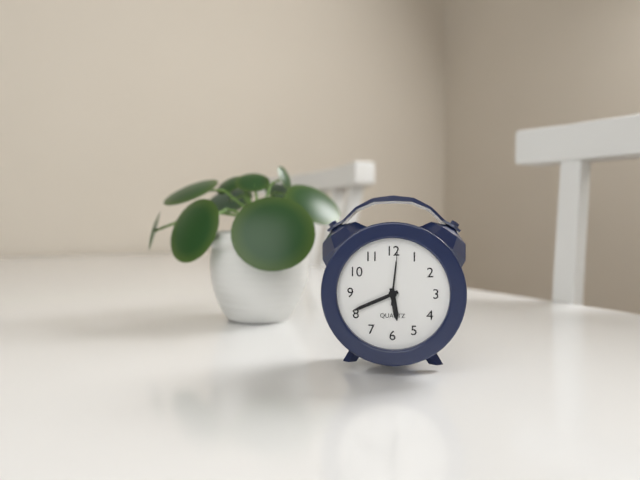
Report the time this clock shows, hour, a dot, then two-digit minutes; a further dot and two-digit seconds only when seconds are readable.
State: 5.41.01
